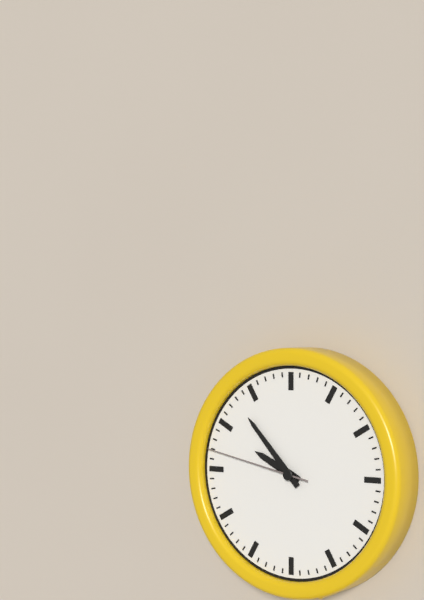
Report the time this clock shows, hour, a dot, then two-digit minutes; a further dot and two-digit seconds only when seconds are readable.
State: 9.53.47
